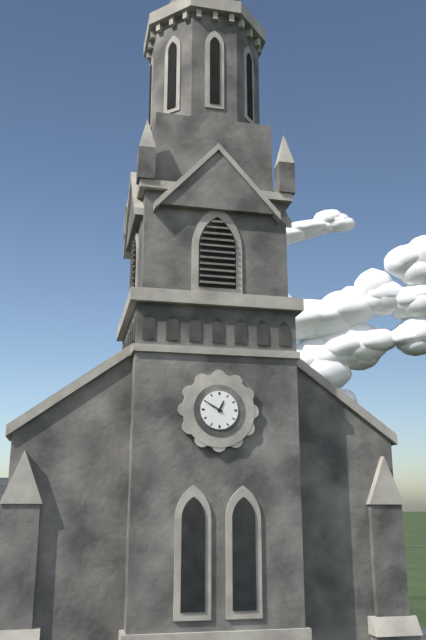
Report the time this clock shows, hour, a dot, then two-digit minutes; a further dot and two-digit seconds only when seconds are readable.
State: 12.50
